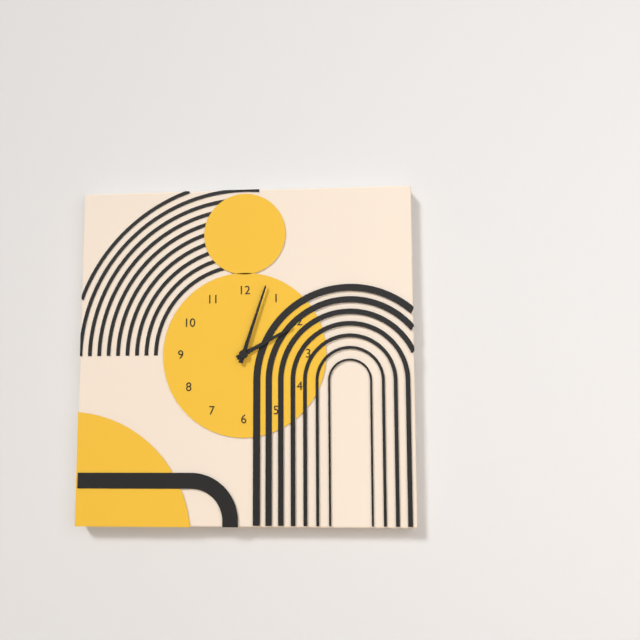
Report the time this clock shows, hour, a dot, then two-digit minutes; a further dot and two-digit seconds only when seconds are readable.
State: 2.03
